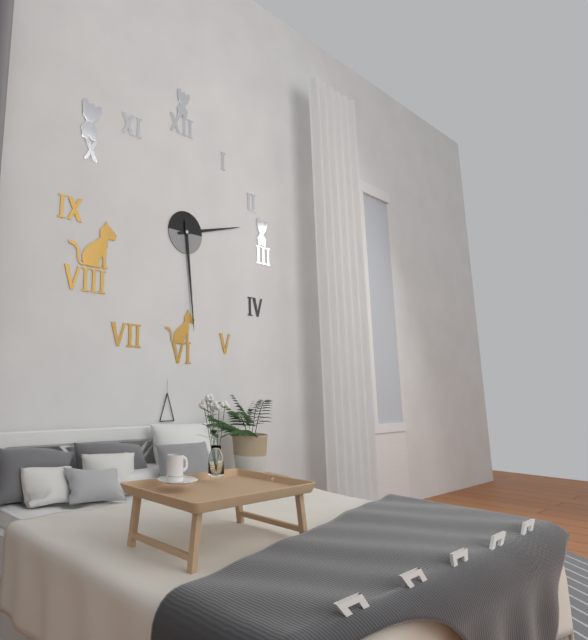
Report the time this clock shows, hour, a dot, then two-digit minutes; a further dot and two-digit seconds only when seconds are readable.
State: 2.29
